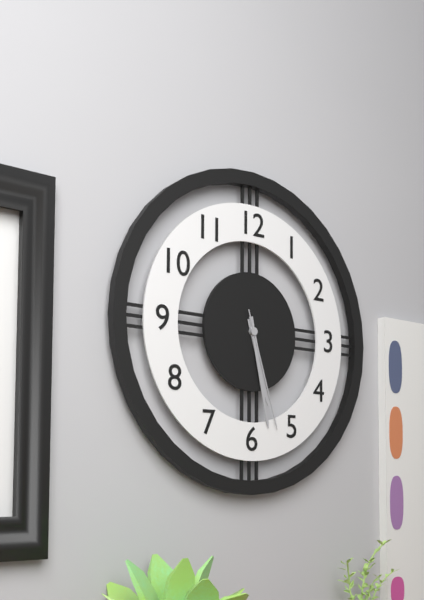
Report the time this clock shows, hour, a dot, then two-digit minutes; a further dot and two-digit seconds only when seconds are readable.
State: 5.28.27
